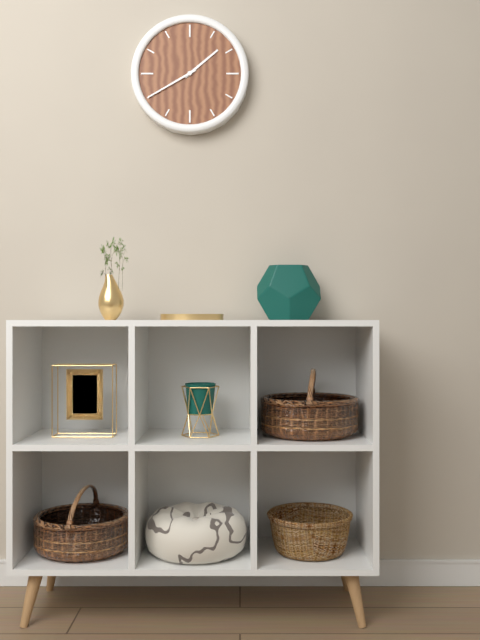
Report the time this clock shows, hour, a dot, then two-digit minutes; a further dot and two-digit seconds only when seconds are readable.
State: 1.40
